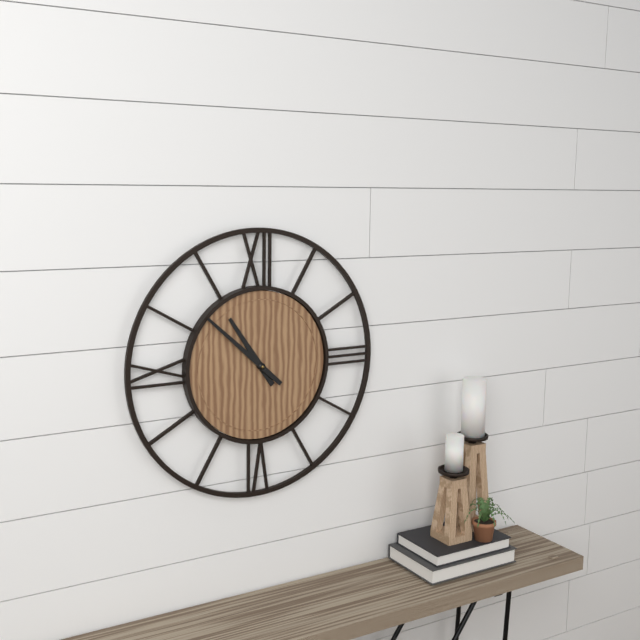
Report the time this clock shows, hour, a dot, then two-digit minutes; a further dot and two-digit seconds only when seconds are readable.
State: 10.52
